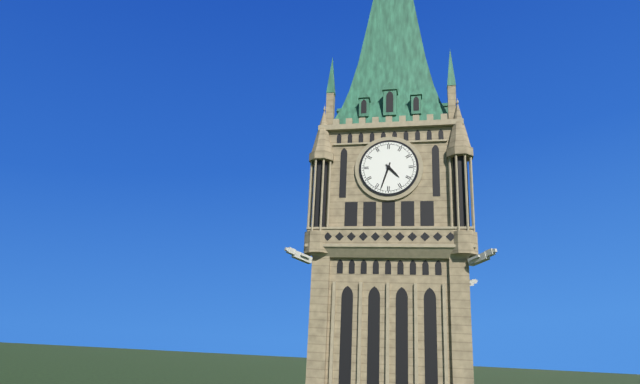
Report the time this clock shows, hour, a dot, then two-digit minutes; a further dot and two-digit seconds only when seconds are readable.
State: 4.33
